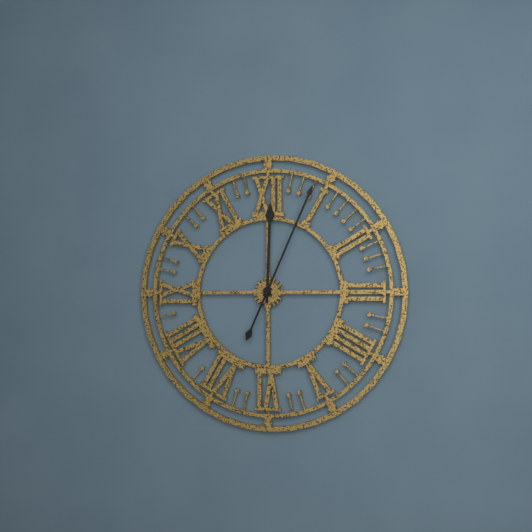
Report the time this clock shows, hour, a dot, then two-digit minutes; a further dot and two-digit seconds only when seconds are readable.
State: 12.04
